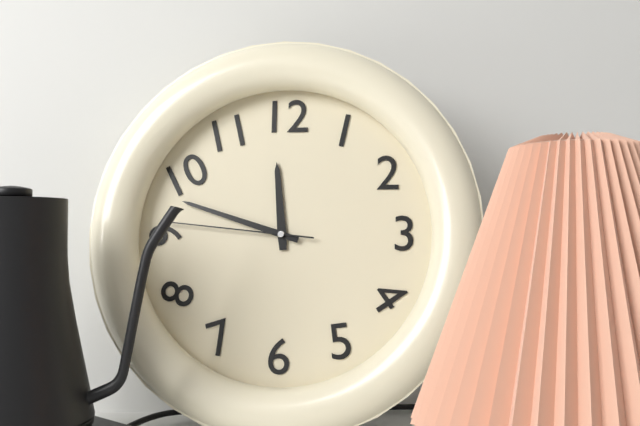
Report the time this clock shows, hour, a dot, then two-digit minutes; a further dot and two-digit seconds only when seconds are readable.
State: 11.48.46
